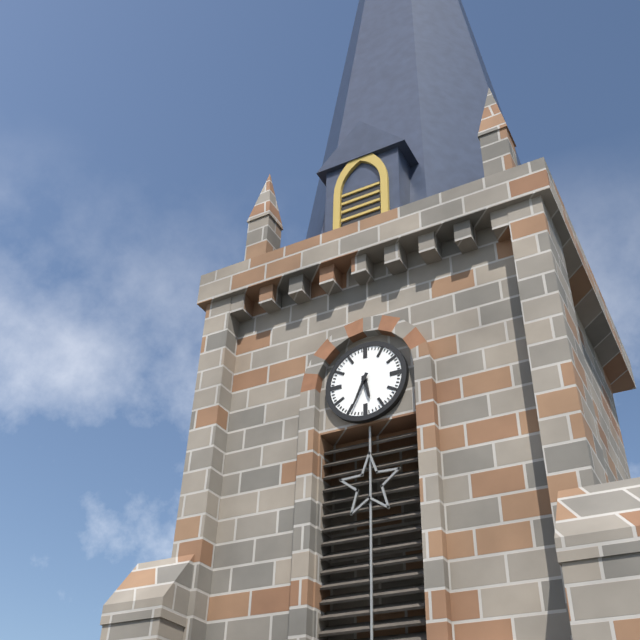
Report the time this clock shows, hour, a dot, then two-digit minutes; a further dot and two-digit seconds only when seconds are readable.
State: 5.34
